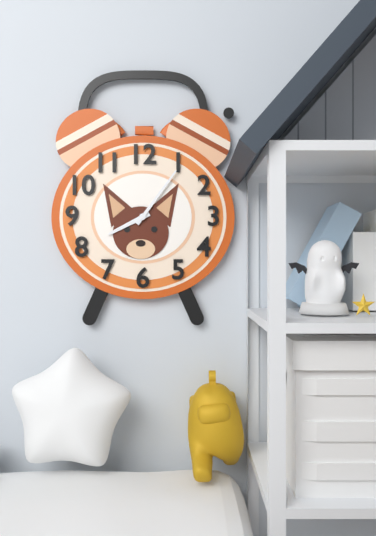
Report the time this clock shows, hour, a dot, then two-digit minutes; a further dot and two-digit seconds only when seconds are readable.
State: 8.06
